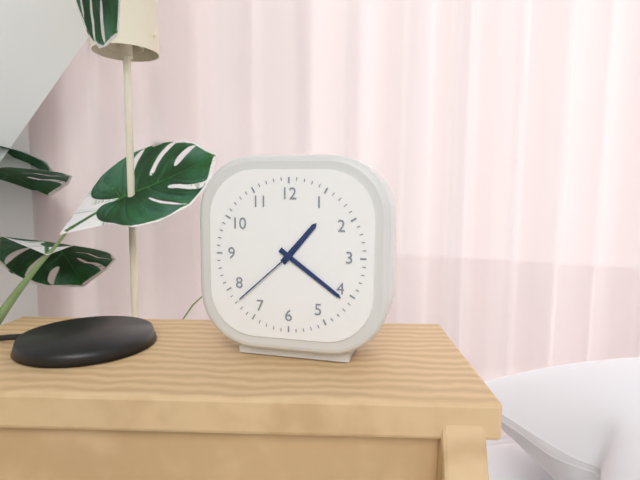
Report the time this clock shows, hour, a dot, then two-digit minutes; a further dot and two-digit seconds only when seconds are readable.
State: 1.21.38
